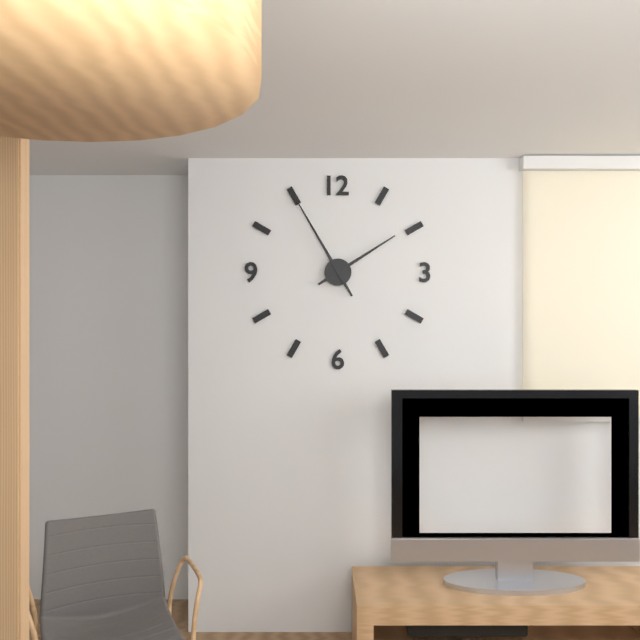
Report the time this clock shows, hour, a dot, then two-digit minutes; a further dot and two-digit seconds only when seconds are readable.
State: 1.55
